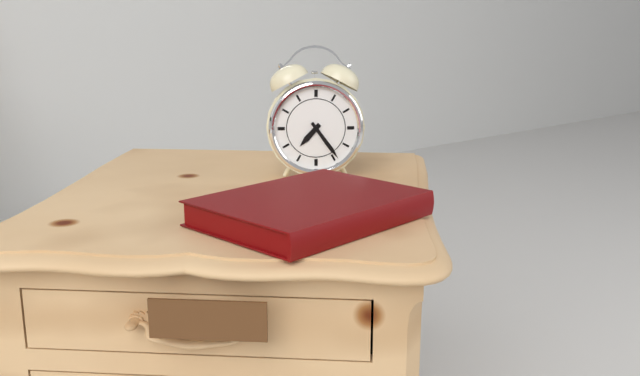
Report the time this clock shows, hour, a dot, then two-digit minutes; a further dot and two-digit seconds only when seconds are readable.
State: 7.24
